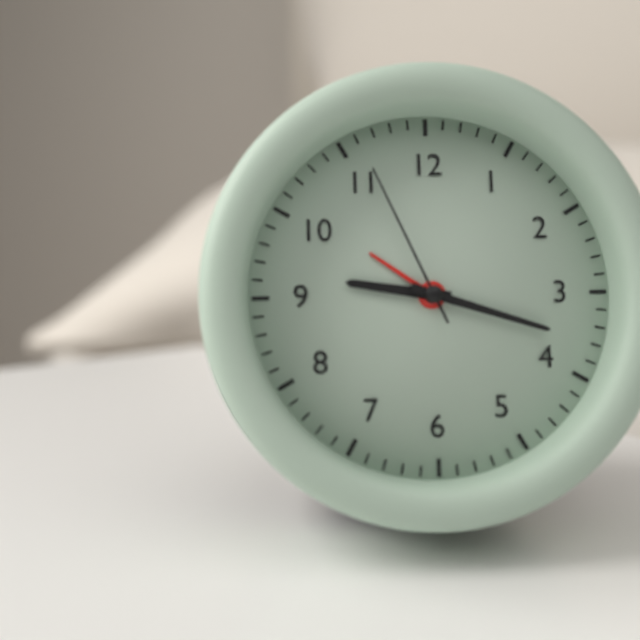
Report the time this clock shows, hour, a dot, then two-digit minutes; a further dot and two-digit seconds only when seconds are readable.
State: 9.18.56
